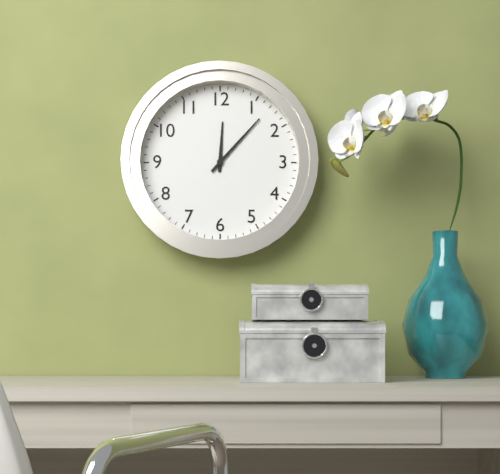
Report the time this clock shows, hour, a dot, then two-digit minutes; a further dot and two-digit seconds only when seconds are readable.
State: 12.07
